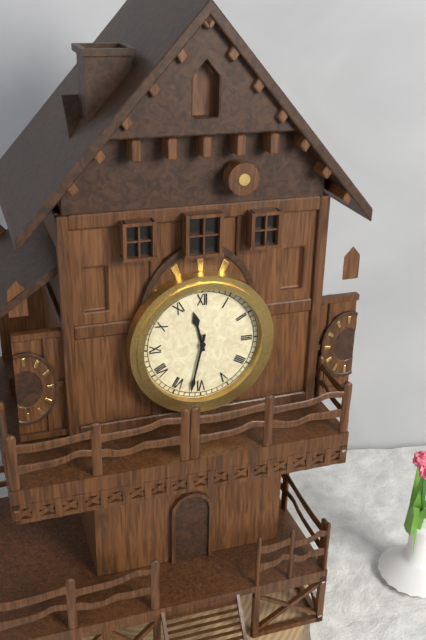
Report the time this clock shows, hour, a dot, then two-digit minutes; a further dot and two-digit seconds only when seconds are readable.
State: 11.32
